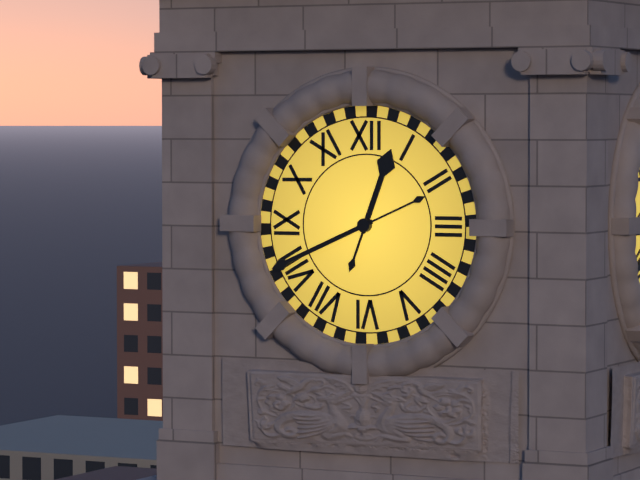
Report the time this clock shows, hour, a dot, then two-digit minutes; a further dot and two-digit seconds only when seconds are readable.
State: 12.41
